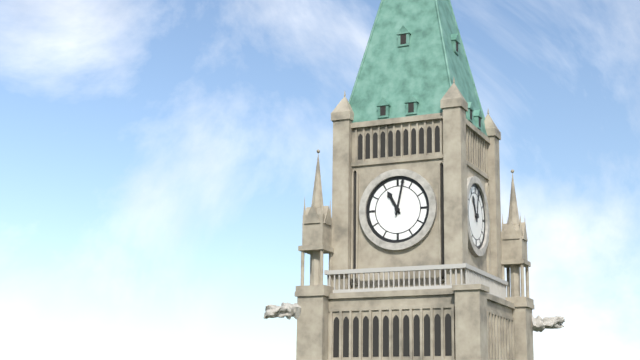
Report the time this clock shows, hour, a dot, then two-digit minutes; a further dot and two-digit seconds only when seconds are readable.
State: 11.02
